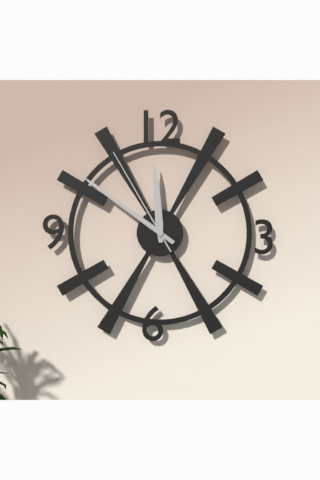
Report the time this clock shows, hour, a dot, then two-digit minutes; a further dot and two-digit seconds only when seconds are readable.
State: 11.51.55
